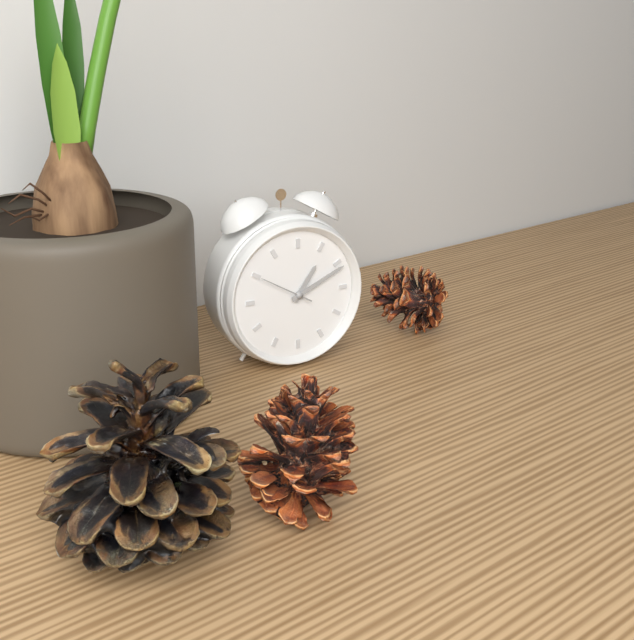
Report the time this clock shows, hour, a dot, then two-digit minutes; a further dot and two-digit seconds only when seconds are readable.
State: 1.11.50
